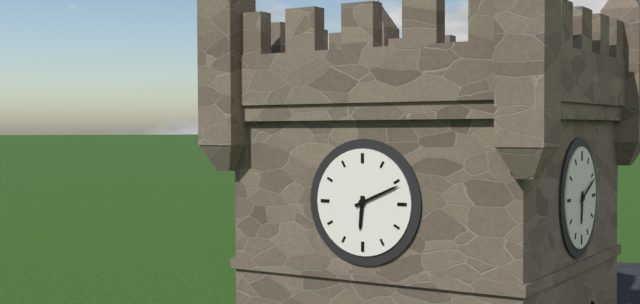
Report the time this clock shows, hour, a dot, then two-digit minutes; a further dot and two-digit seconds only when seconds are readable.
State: 6.11
